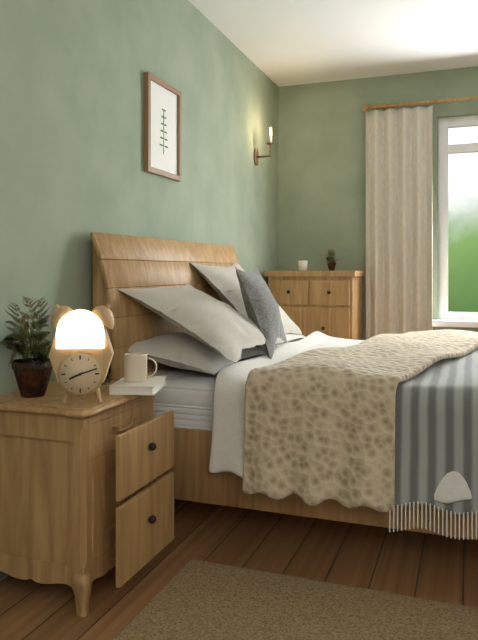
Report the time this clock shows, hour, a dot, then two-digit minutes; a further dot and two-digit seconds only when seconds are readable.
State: 8.12
